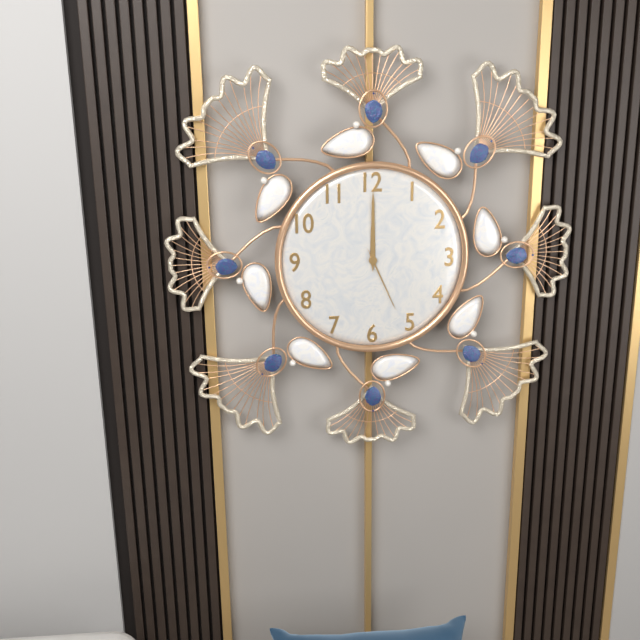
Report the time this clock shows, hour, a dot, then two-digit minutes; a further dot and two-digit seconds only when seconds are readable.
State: 12.00.26
